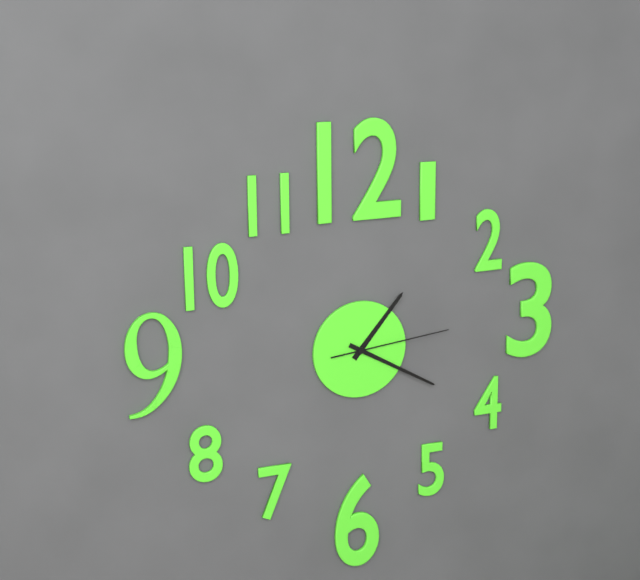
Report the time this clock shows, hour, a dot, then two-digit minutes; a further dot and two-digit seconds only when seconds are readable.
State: 1.20.14
